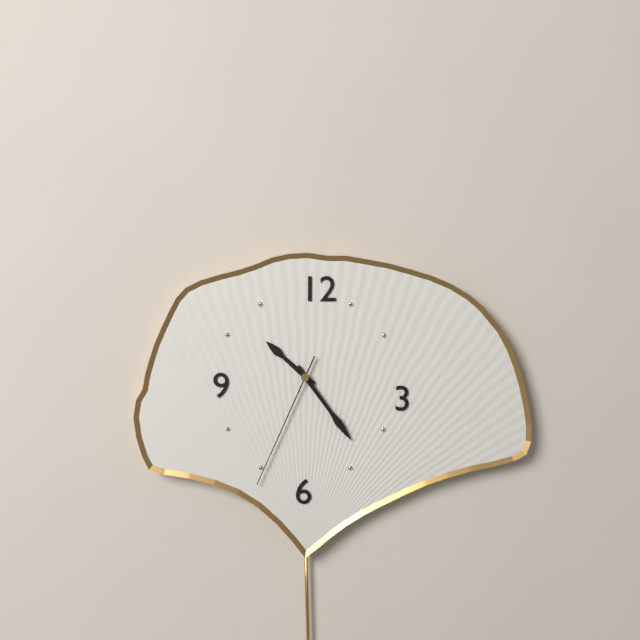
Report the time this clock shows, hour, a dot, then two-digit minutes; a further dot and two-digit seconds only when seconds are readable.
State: 10.24.34
